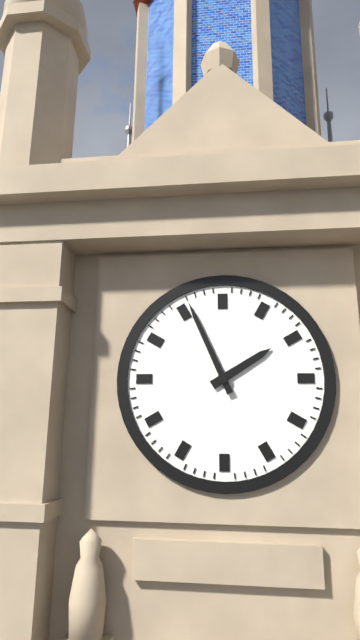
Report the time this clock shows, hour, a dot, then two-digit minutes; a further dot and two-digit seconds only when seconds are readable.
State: 1.56
